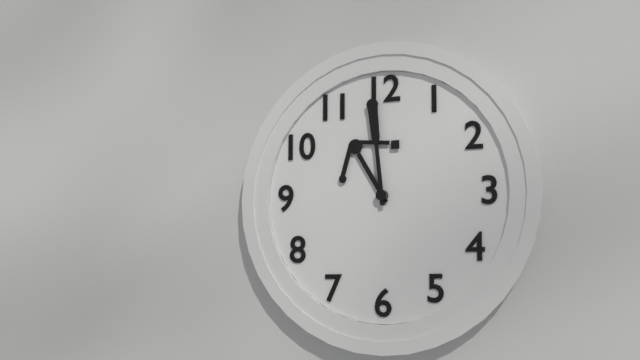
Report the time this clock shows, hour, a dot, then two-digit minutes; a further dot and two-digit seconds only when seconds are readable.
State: 10.59
